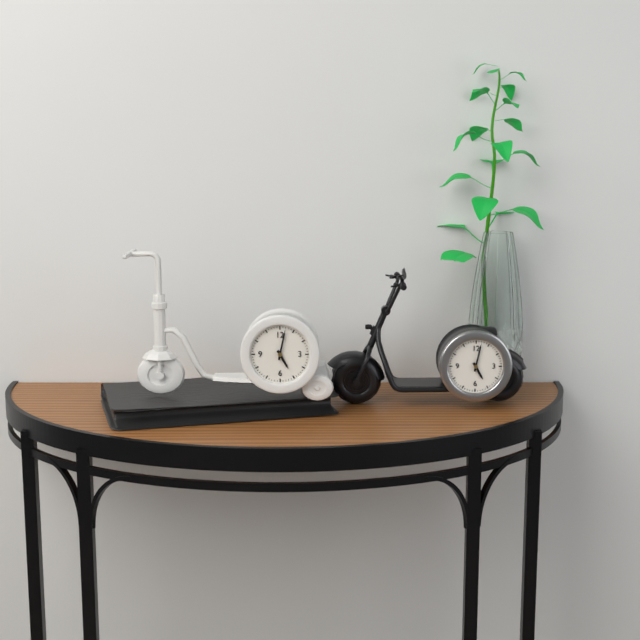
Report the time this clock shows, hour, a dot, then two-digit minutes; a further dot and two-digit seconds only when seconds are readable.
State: 5.02
